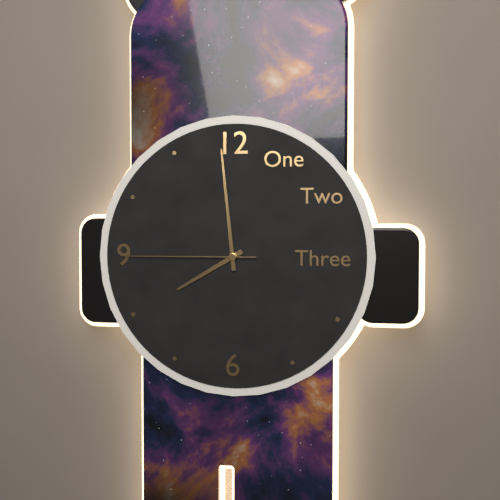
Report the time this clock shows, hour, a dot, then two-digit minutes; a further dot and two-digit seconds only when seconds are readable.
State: 7.59.45
